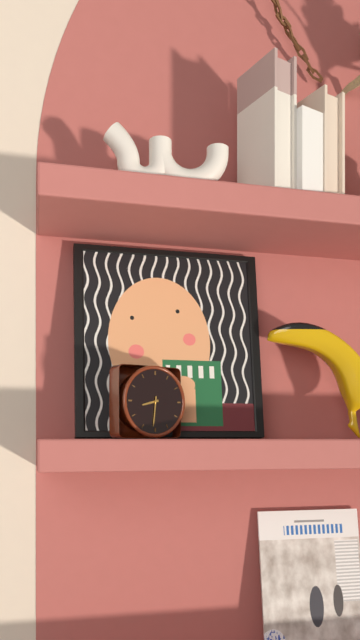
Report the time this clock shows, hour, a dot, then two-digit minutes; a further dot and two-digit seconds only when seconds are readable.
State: 8.31
